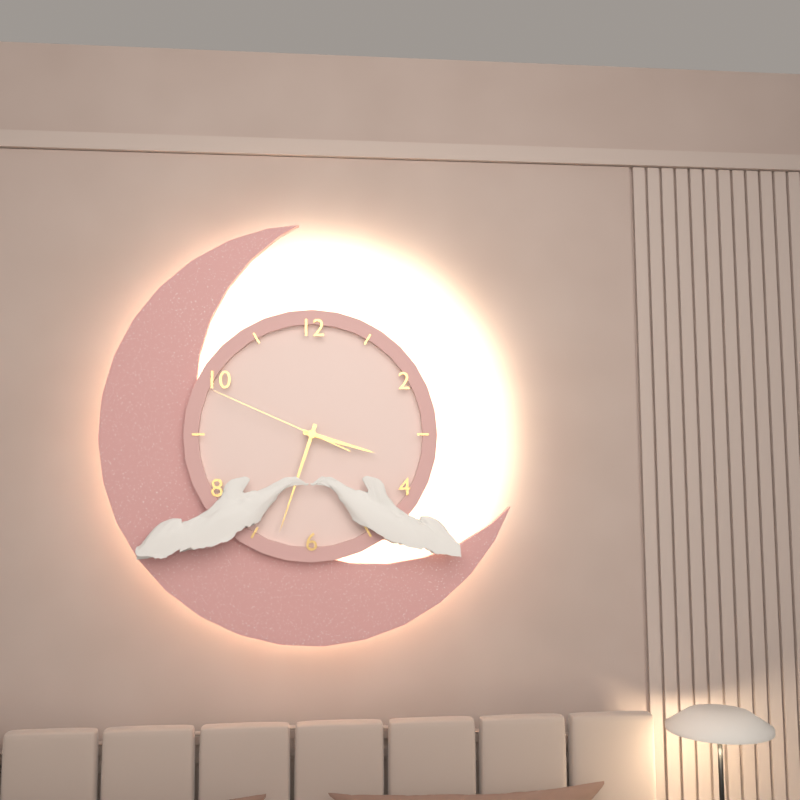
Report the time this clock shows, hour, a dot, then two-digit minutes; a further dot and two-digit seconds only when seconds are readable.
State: 3.33.49
